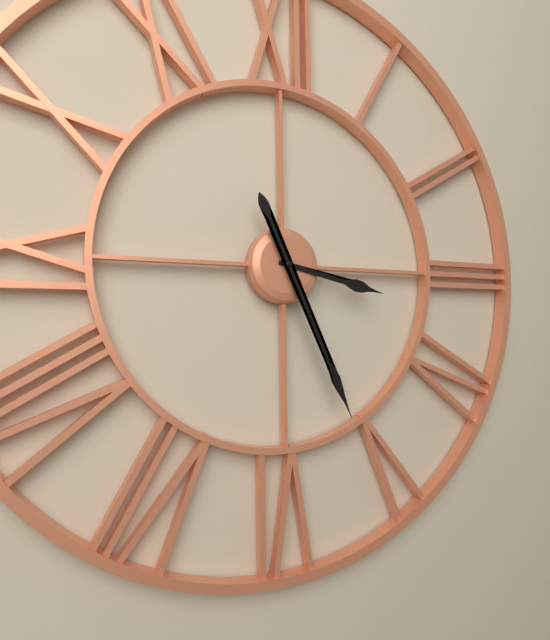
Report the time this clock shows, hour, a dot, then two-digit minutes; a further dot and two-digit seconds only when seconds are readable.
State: 3.26
